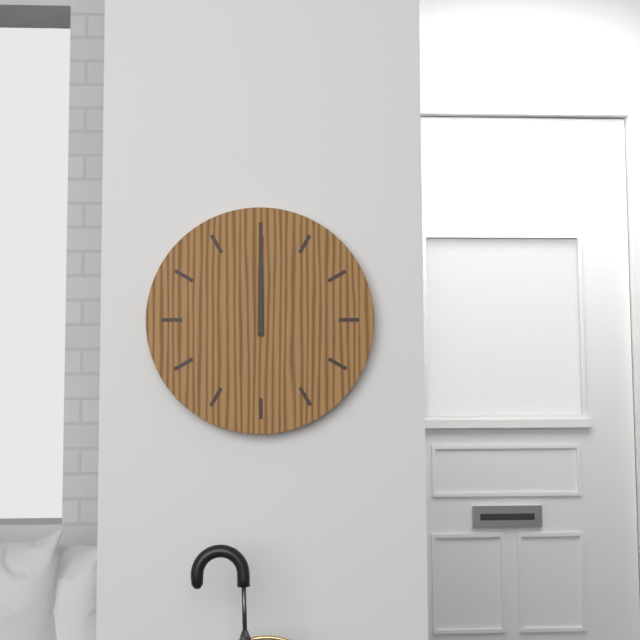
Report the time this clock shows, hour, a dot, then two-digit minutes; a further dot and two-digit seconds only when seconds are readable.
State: 12.00
